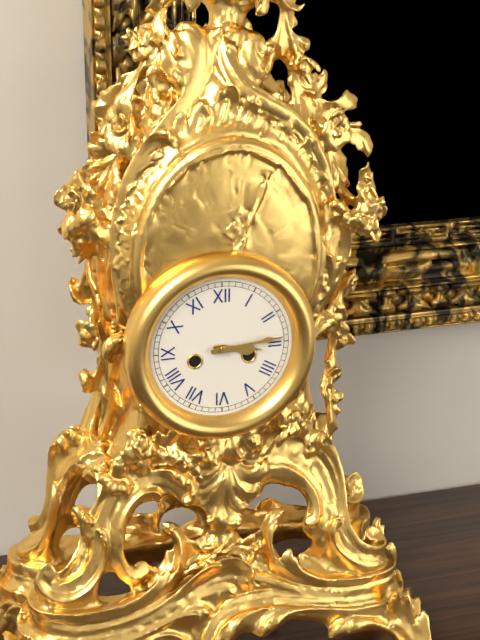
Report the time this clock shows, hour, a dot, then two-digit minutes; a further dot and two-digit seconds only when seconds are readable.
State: 3.14
